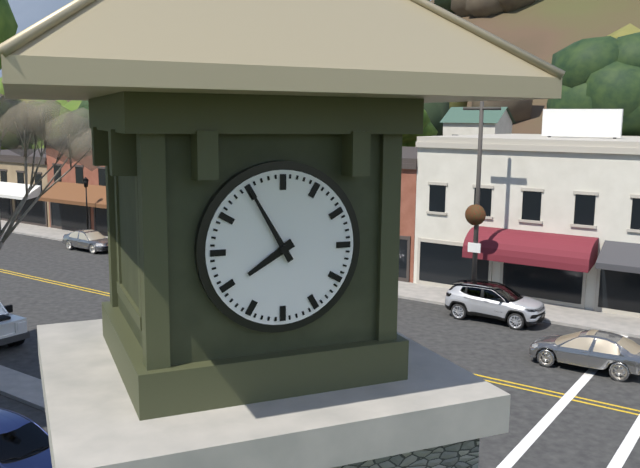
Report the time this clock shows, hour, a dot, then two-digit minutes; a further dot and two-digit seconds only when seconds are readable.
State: 7.55
